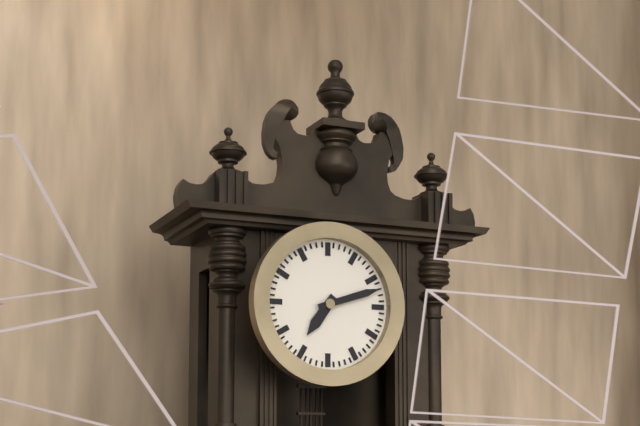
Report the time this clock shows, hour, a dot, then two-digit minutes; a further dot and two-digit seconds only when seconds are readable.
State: 7.12
